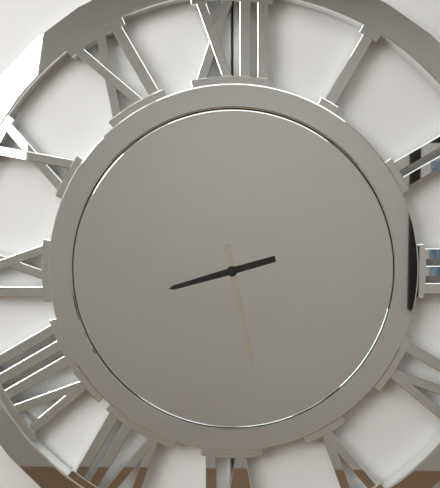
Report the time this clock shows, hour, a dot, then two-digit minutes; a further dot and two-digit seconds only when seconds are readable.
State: 8.28
